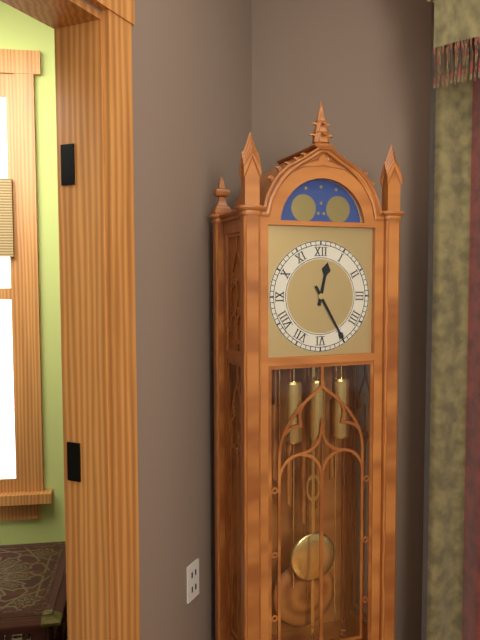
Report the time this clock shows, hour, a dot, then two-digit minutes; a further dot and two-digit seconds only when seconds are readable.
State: 12.25
